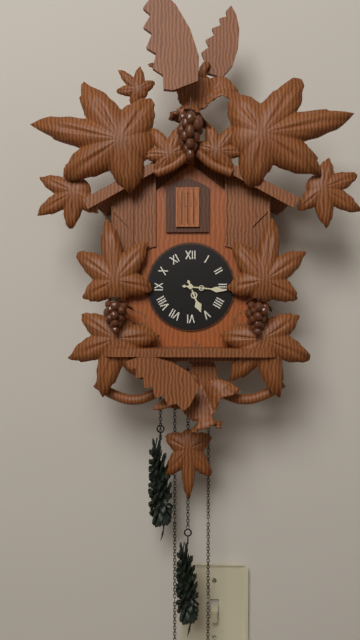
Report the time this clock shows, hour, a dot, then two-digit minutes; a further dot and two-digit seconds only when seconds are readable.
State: 5.16
